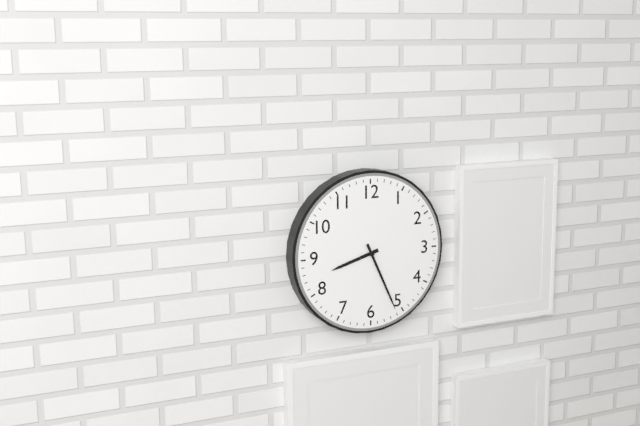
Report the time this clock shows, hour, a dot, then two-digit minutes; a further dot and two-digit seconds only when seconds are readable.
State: 8.26
